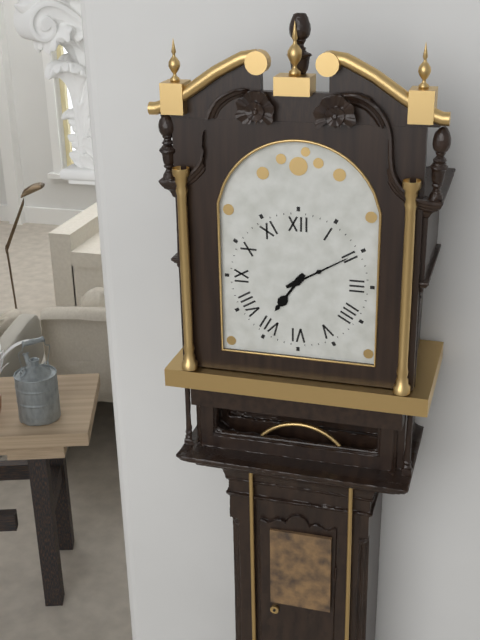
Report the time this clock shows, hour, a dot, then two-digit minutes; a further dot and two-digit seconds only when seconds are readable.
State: 7.10
